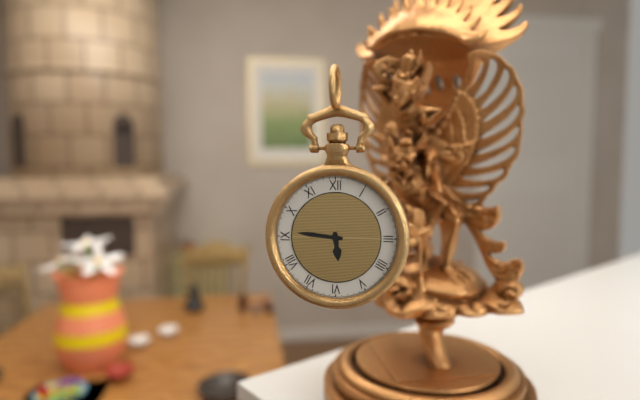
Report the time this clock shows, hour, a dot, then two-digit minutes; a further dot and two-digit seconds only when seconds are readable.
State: 5.46
